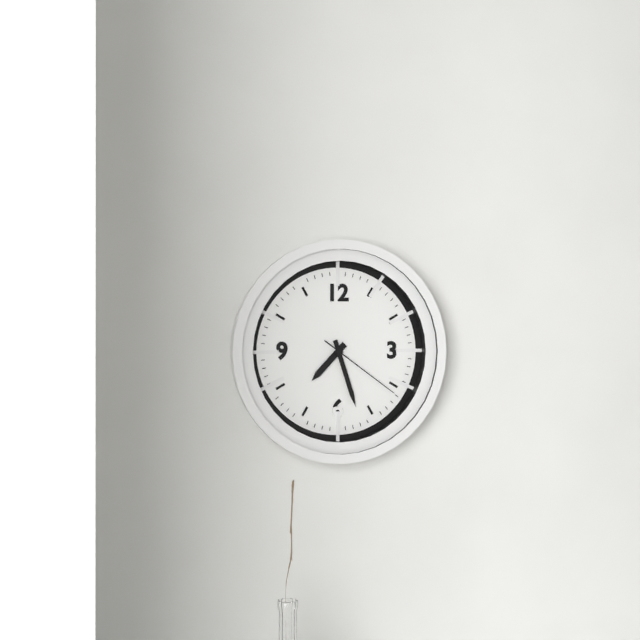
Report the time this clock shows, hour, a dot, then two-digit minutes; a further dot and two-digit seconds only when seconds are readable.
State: 7.27.21
